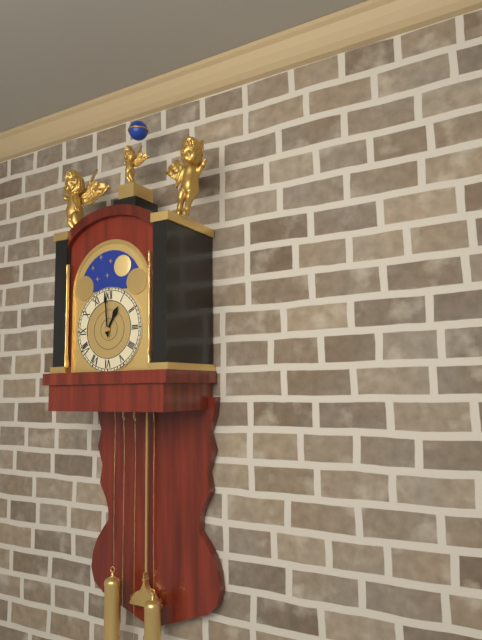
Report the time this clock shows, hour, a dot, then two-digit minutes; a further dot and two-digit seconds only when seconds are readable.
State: 12.59
